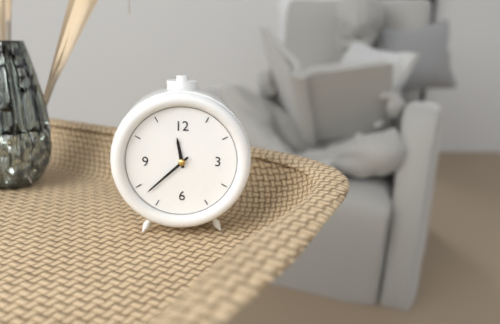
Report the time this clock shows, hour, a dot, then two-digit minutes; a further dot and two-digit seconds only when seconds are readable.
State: 11.38
